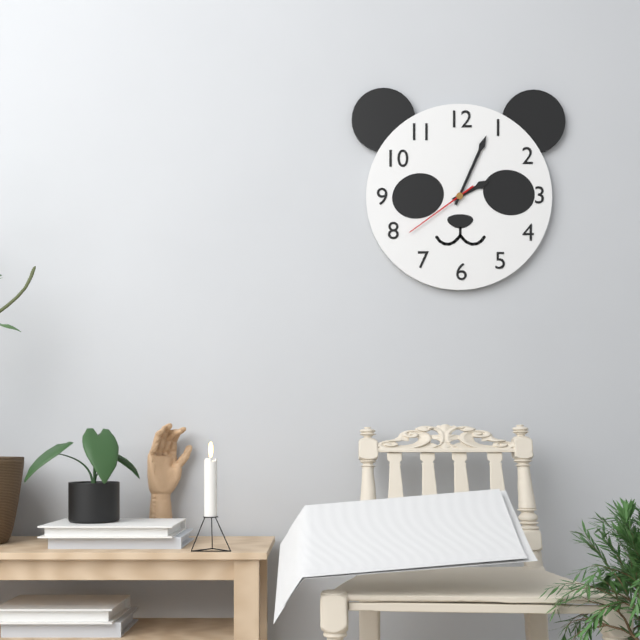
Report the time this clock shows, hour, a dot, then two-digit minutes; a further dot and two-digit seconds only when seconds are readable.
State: 2.04.39
